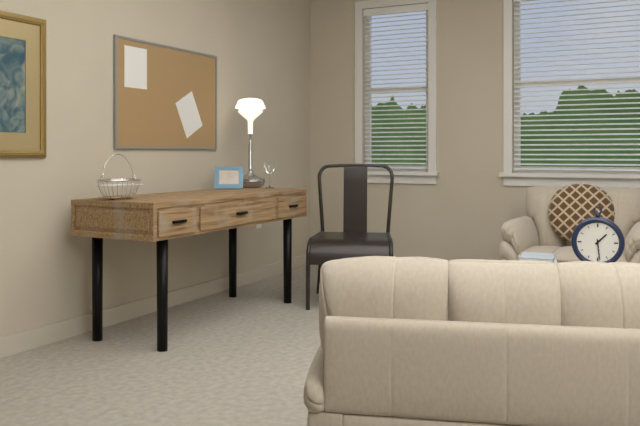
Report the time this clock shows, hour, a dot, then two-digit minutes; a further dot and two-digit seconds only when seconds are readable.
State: 1.29
